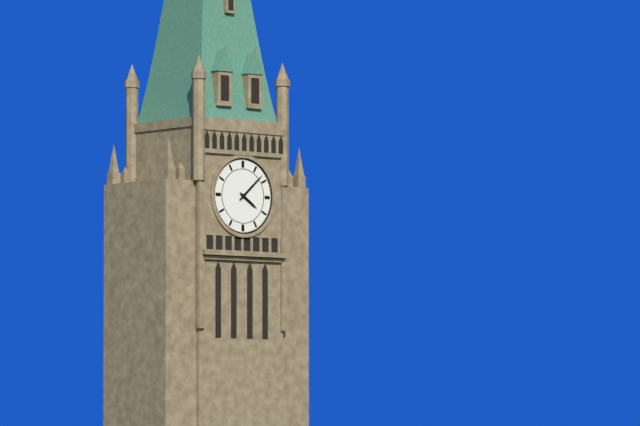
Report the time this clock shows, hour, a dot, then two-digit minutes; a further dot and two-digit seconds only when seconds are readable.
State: 4.08
